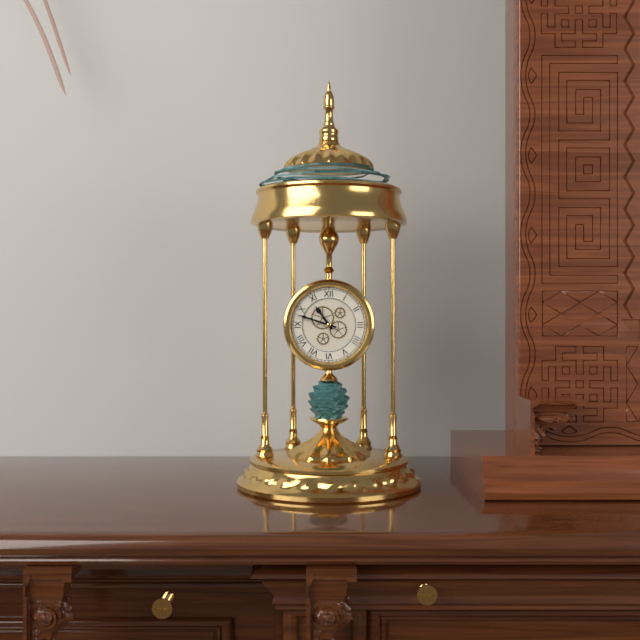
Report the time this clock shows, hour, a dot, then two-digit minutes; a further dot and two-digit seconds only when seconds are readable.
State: 10.48
